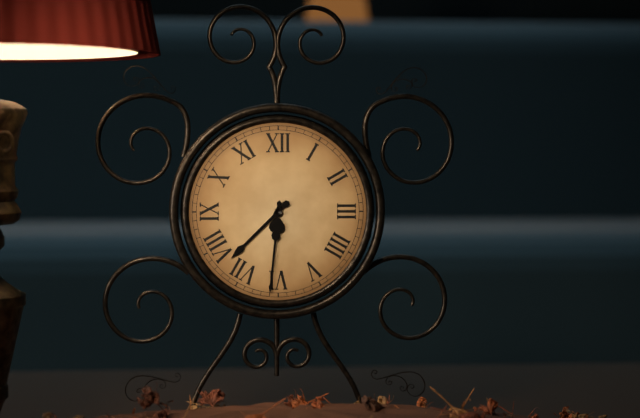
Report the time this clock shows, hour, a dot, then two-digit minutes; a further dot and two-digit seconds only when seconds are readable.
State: 7.31
